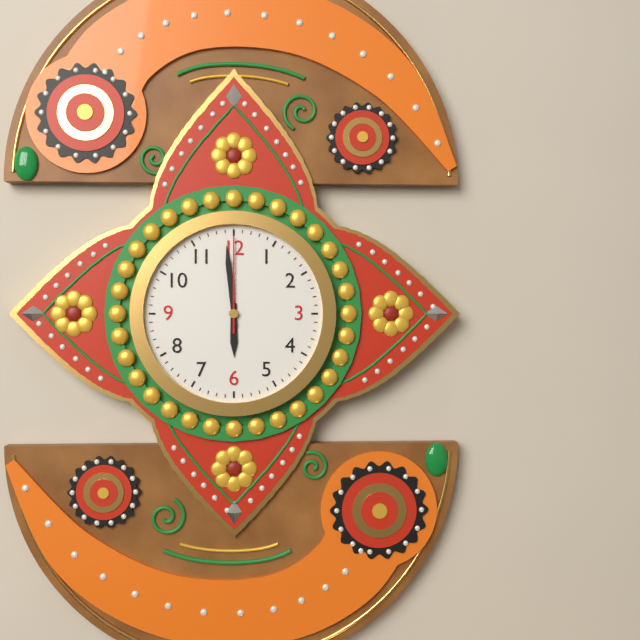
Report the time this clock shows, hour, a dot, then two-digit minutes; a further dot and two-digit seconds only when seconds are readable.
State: 5.59.00
